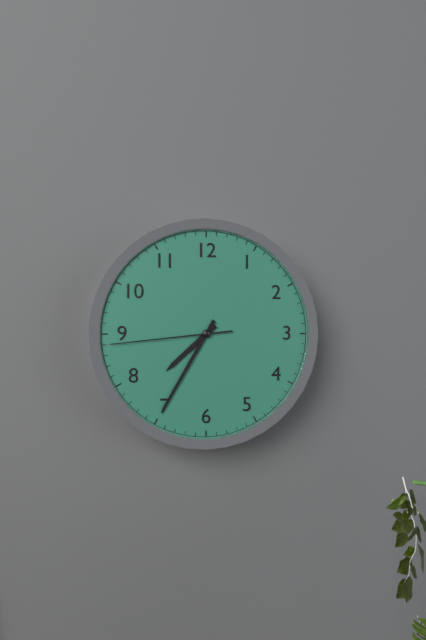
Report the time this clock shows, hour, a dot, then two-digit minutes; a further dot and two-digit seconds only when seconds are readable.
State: 7.35.44
